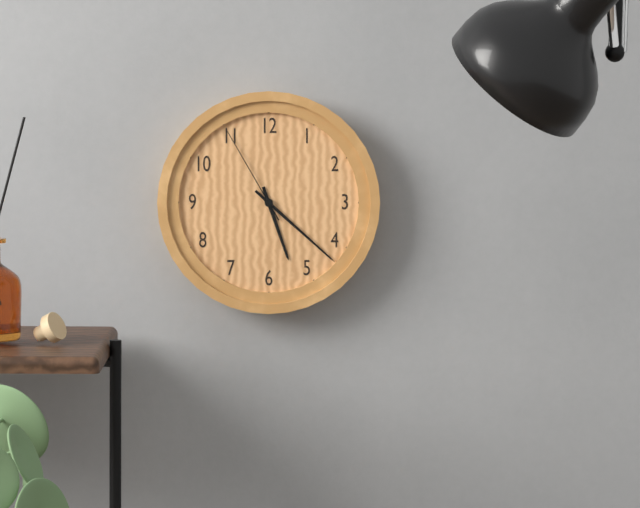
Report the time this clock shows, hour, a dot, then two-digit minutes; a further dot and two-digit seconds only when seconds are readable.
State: 5.22.55
